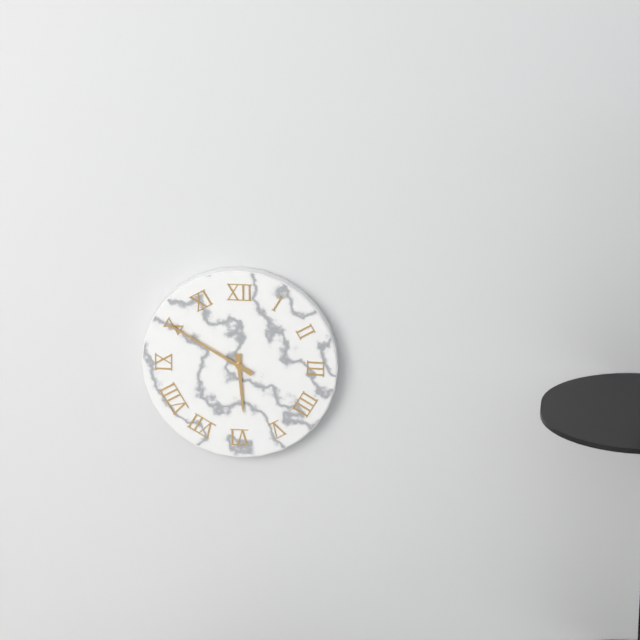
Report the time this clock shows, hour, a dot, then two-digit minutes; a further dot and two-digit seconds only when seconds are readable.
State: 5.50
